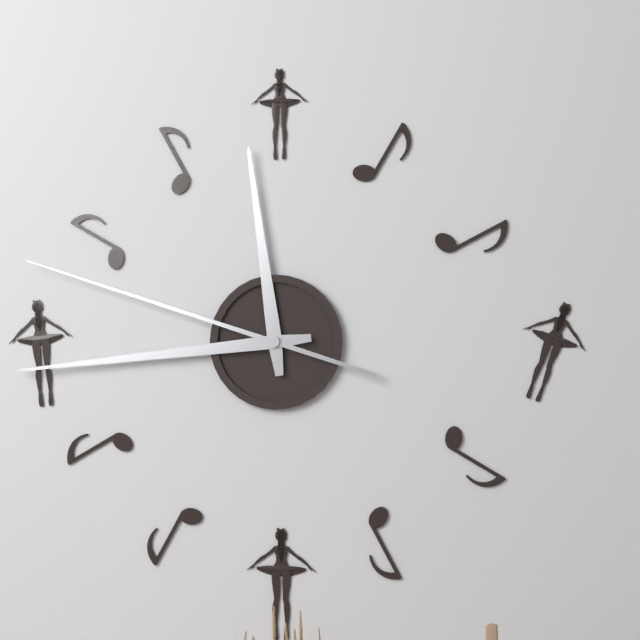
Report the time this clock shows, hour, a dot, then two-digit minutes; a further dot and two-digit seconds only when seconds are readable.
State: 11.44.48
